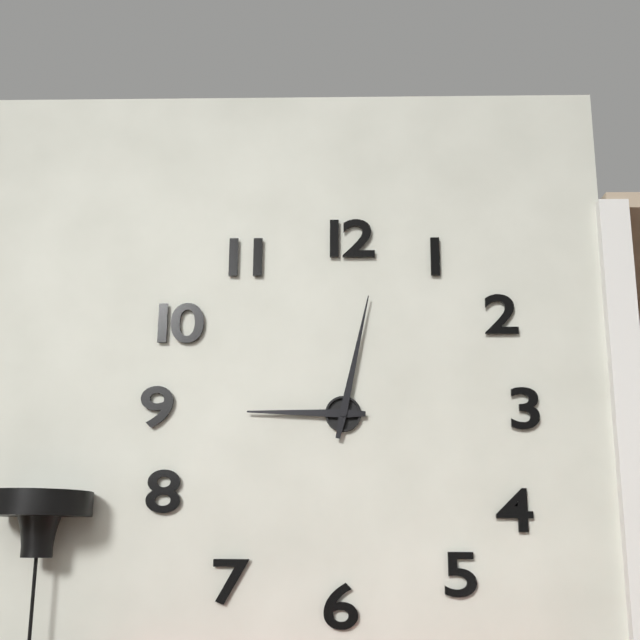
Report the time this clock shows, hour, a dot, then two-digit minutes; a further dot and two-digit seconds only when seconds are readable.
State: 9.02
